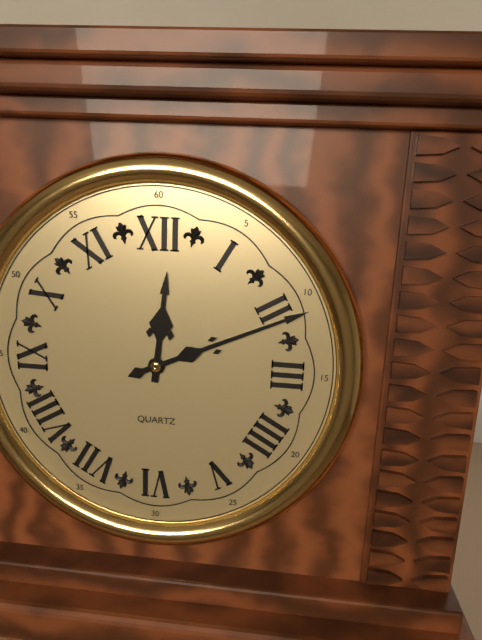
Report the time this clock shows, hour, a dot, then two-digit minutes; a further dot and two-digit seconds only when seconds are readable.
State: 12.11
